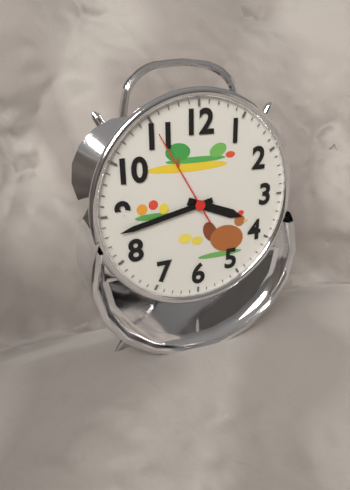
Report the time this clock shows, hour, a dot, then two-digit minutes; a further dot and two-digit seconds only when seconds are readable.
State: 3.43.55
